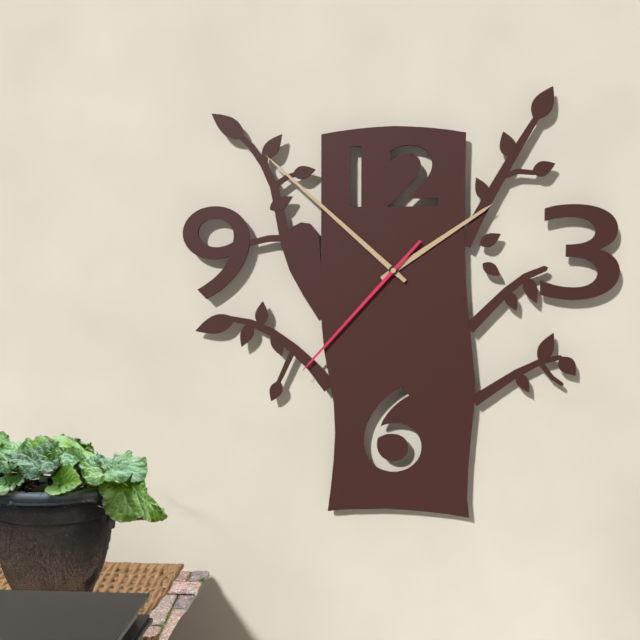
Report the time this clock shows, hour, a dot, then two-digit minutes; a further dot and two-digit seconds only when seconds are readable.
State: 1.52.37
